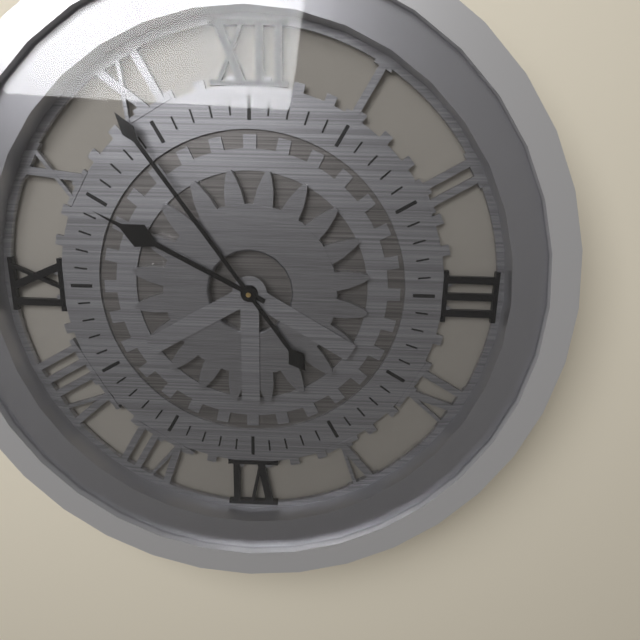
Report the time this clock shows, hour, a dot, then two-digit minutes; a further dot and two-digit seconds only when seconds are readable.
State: 9.54
